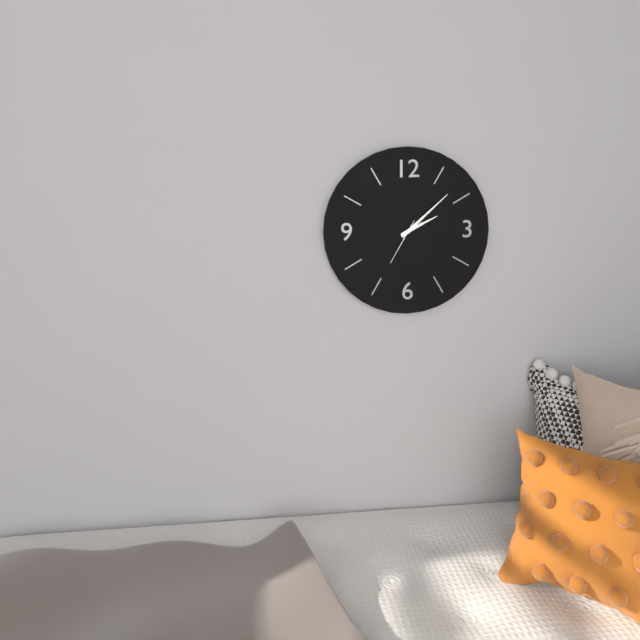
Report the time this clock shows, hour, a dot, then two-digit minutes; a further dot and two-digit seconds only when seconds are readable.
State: 2.08
